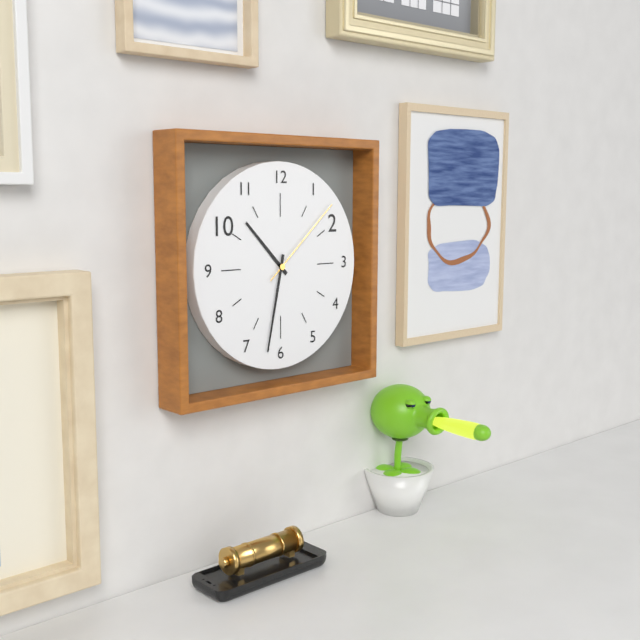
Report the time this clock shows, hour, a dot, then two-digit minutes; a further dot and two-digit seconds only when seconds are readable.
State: 10.32.08
